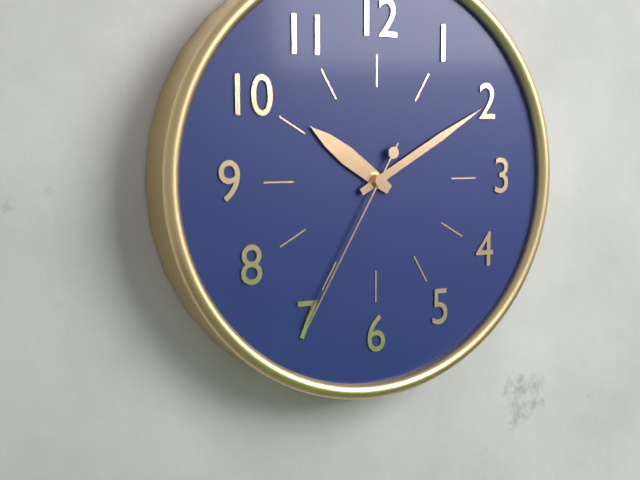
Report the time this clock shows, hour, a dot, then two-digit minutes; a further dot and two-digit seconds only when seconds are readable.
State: 10.10.35
